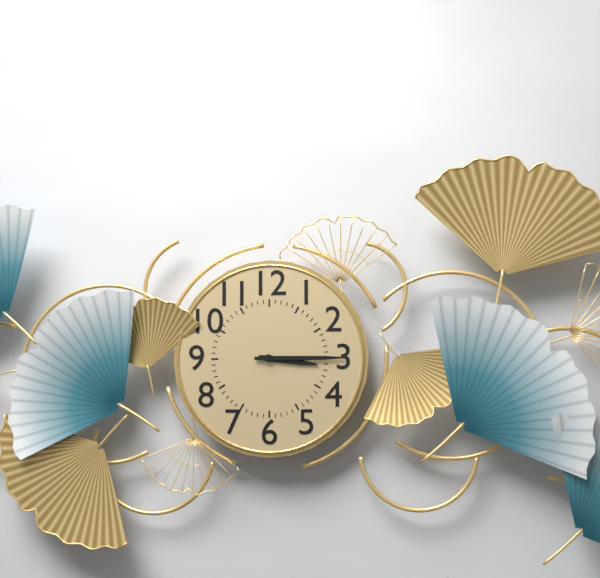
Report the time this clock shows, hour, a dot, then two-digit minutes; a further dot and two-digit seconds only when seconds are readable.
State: 3.15
